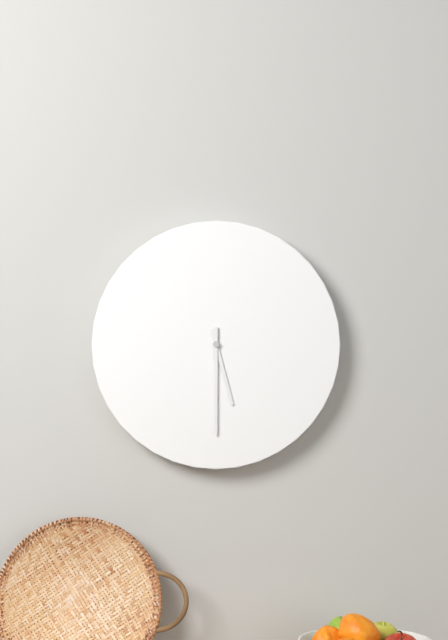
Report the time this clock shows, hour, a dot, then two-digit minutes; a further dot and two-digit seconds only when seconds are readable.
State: 5.30
